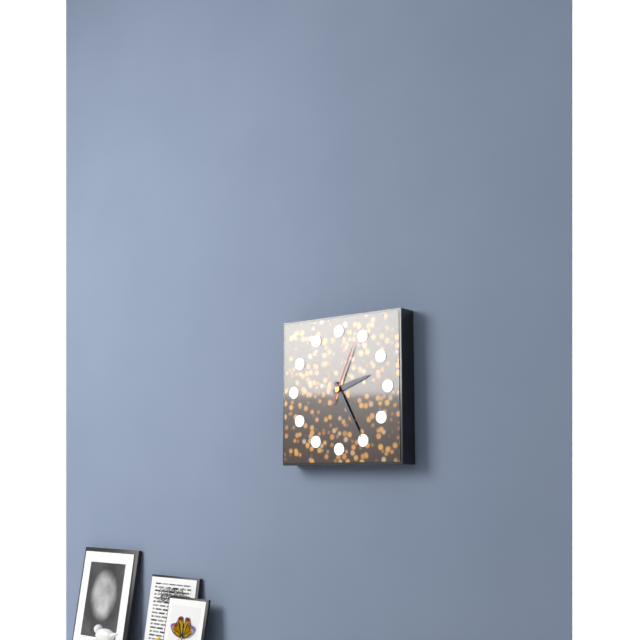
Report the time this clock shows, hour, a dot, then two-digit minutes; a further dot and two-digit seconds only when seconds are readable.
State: 2.25.04
